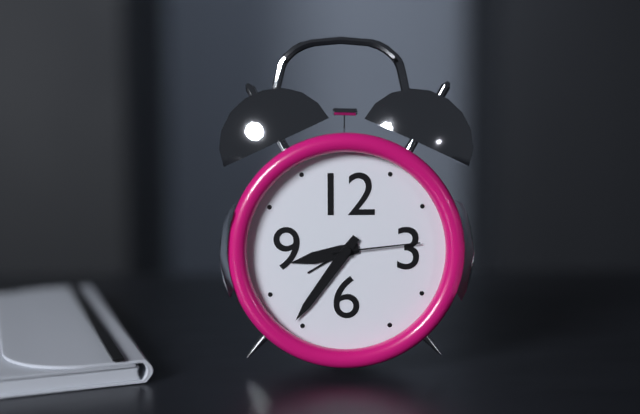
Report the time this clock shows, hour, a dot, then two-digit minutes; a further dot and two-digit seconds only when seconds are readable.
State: 8.36.14
